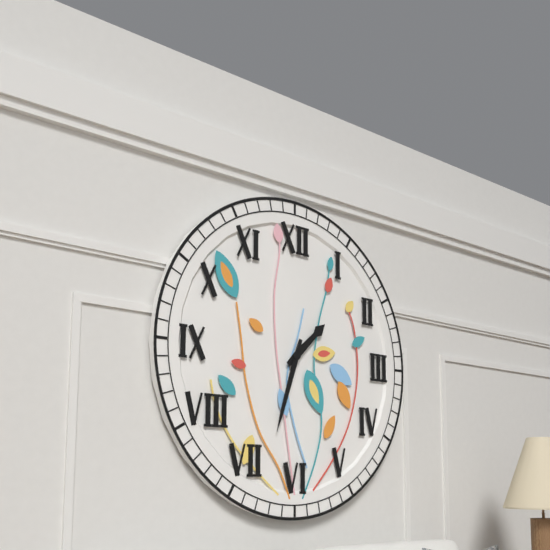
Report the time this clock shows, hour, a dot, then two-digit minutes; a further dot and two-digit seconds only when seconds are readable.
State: 1.33
